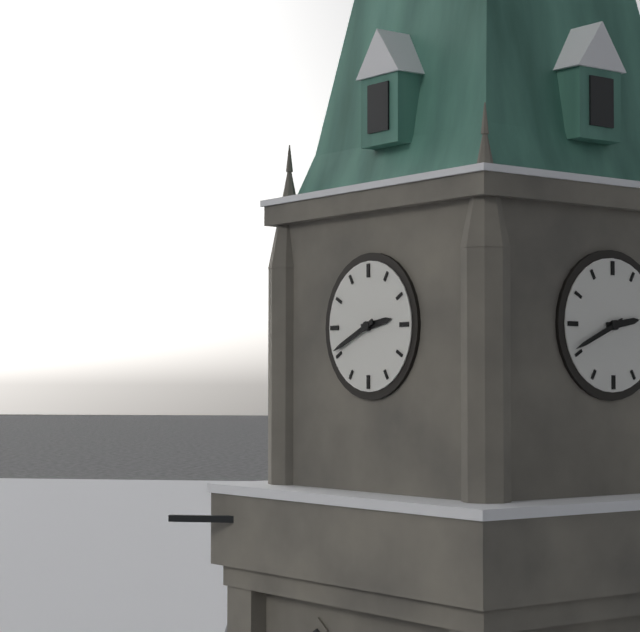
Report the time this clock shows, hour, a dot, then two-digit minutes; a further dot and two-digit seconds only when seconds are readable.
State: 2.41
